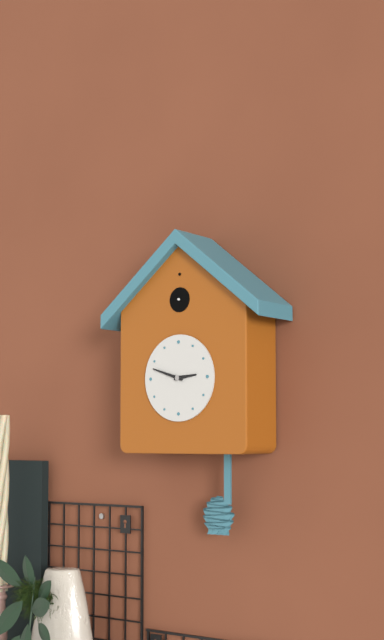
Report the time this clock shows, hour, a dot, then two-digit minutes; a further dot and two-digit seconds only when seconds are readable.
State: 2.48
